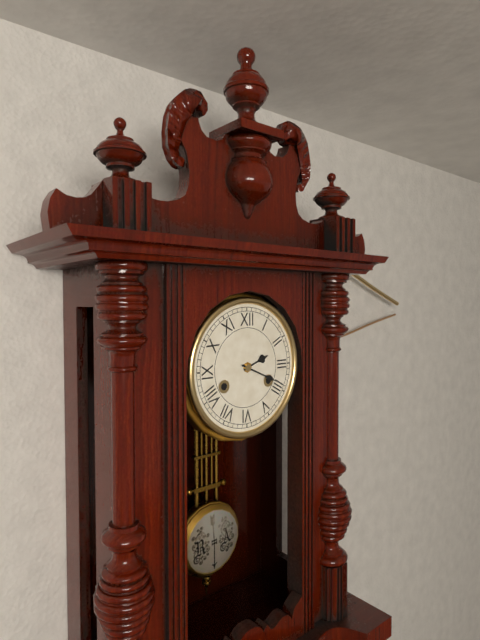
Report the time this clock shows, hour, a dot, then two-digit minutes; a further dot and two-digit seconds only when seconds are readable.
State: 2.19
